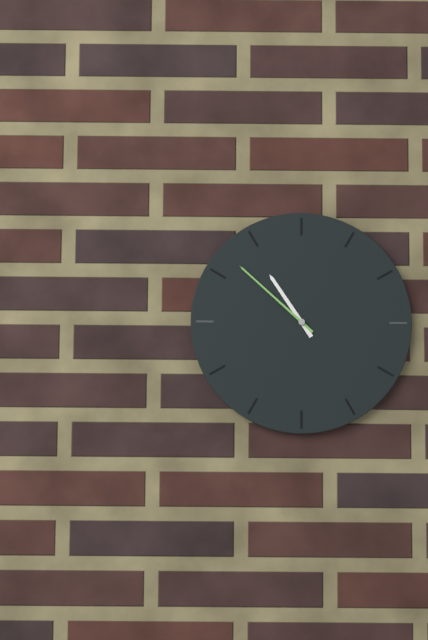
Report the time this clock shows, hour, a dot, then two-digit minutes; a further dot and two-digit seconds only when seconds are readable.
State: 10.52
